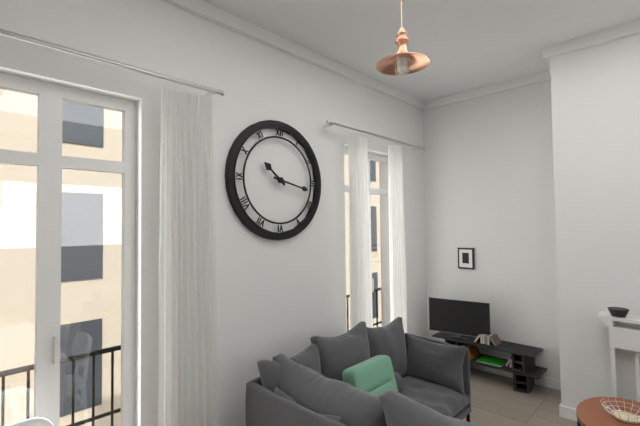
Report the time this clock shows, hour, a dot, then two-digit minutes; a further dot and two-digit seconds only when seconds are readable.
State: 10.17
